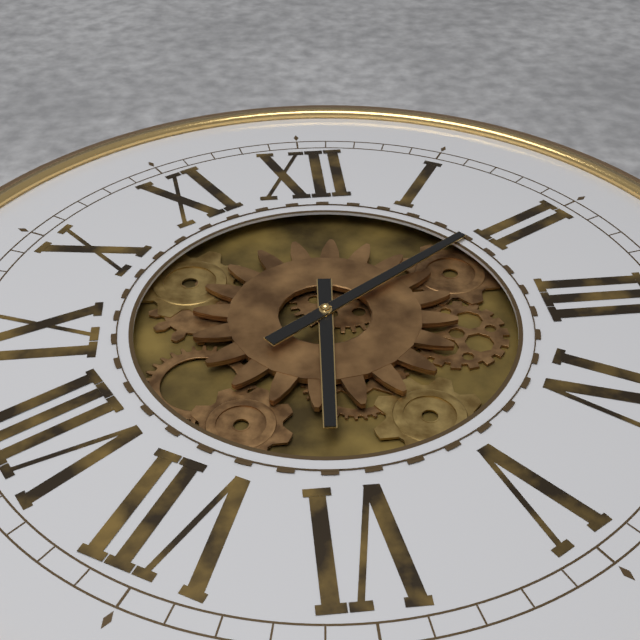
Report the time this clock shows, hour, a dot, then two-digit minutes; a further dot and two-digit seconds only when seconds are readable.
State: 6.09
